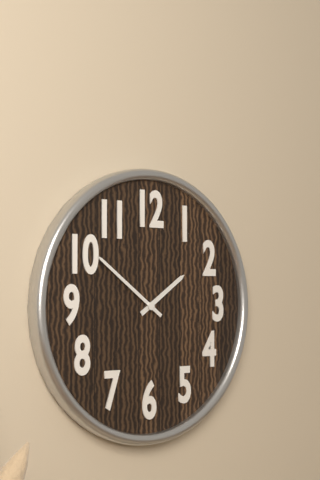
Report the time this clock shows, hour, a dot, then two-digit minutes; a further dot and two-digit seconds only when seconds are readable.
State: 1.51
